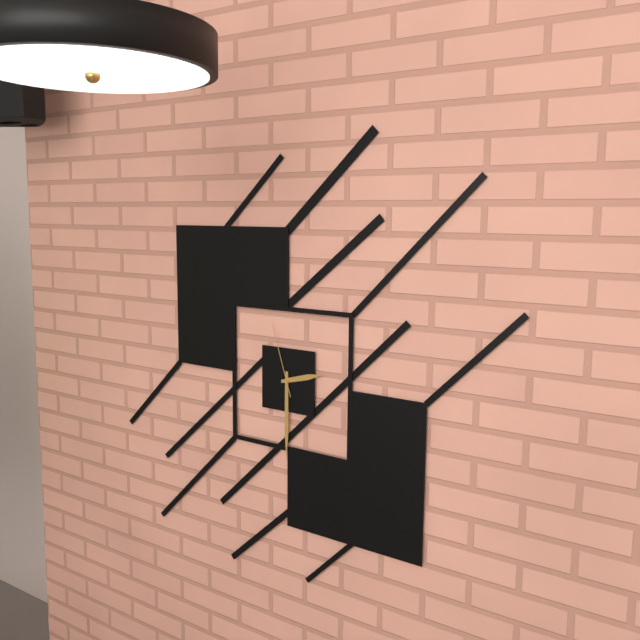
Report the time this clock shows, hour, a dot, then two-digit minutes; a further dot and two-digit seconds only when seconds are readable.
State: 2.30.57
